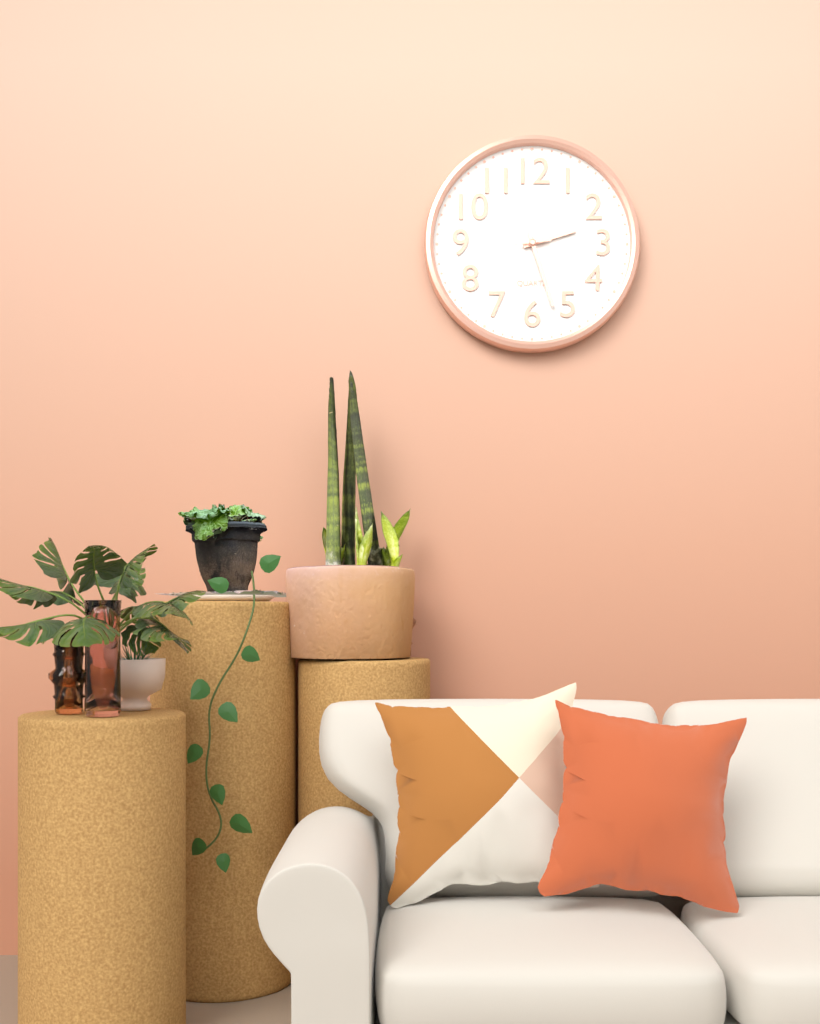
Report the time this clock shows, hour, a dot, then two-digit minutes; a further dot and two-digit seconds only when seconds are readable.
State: 2.27.44
